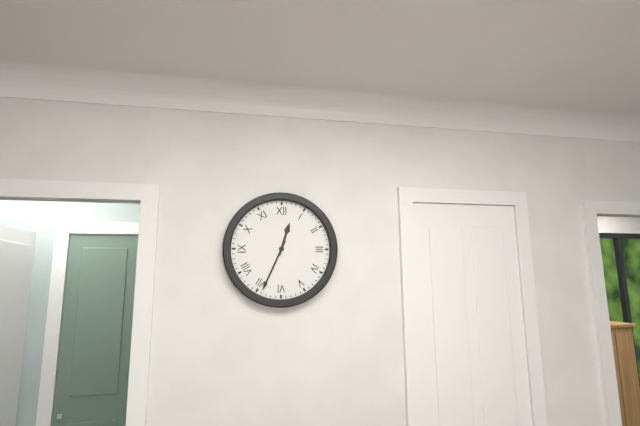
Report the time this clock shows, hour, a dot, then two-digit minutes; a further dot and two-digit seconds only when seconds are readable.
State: 12.34
